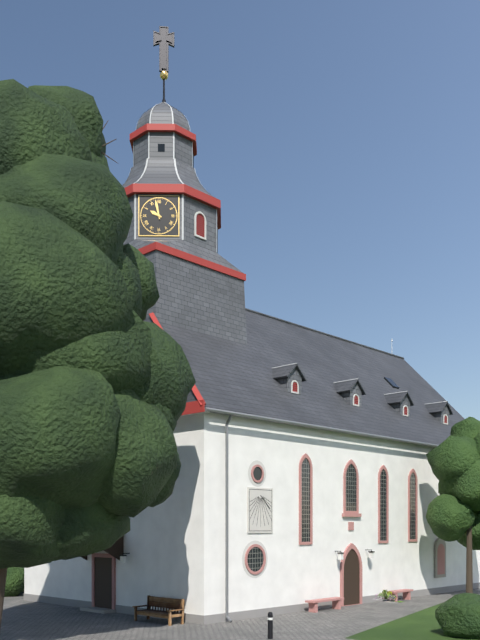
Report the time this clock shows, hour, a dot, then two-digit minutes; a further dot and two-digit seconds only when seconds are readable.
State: 9.58
